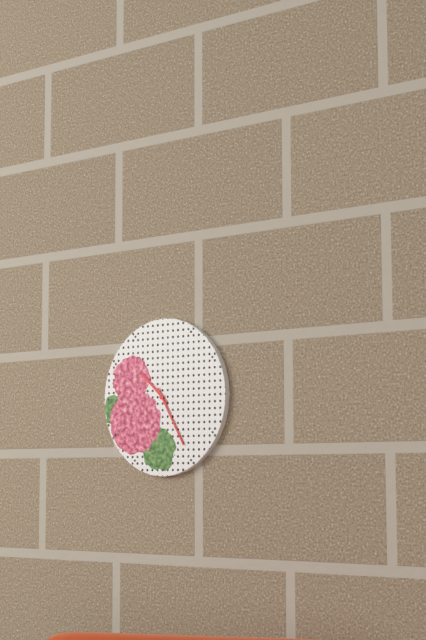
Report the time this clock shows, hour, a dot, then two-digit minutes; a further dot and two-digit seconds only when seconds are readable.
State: 10.25
